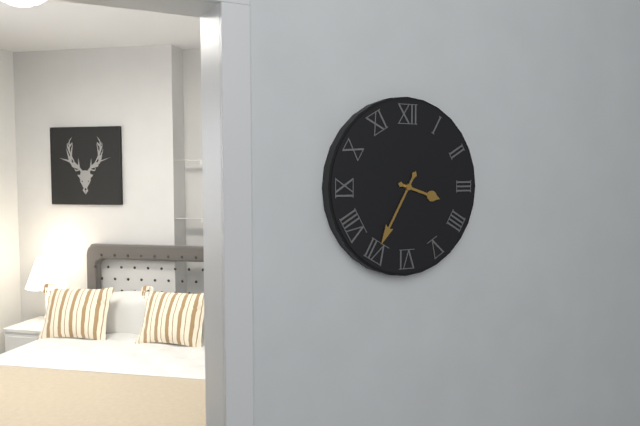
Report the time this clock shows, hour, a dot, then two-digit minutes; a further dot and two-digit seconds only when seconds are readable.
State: 3.35
